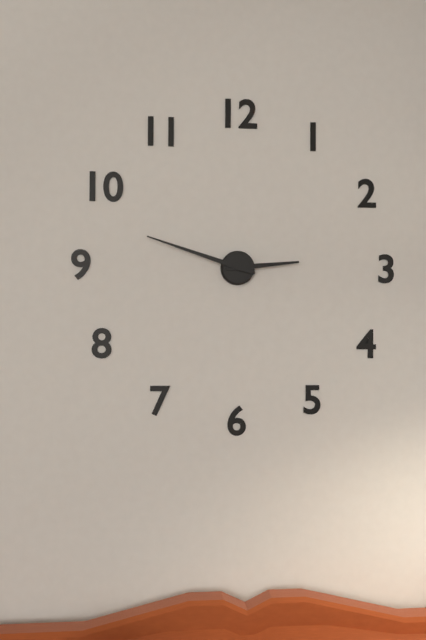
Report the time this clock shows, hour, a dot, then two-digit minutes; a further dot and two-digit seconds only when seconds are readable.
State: 2.48
